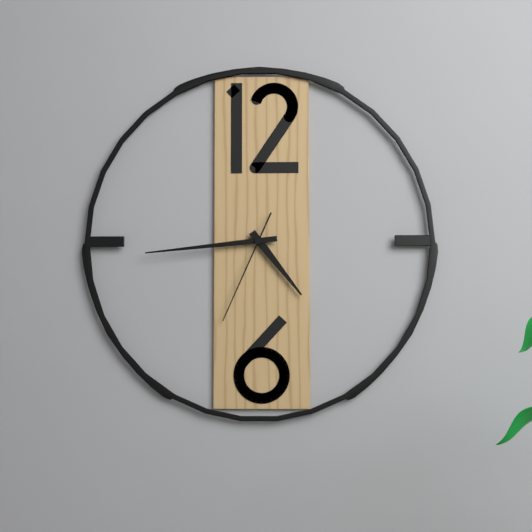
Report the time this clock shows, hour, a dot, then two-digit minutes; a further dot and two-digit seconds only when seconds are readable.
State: 4.44.34
